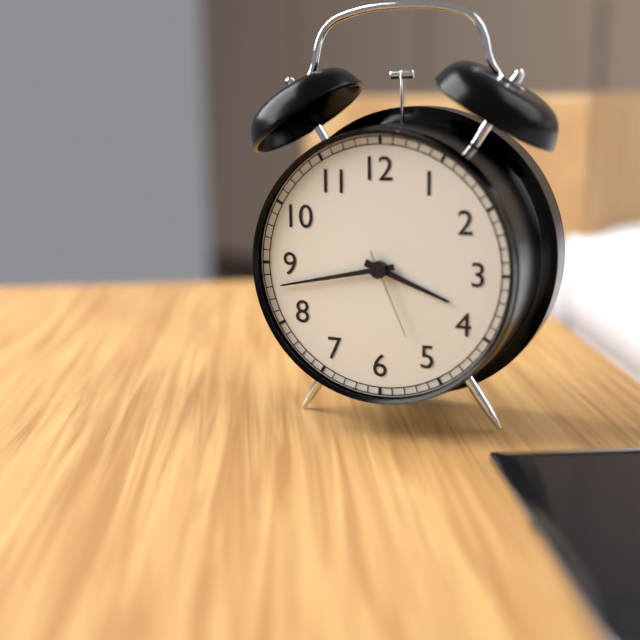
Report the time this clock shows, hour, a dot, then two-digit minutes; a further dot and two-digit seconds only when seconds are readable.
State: 3.43.26
